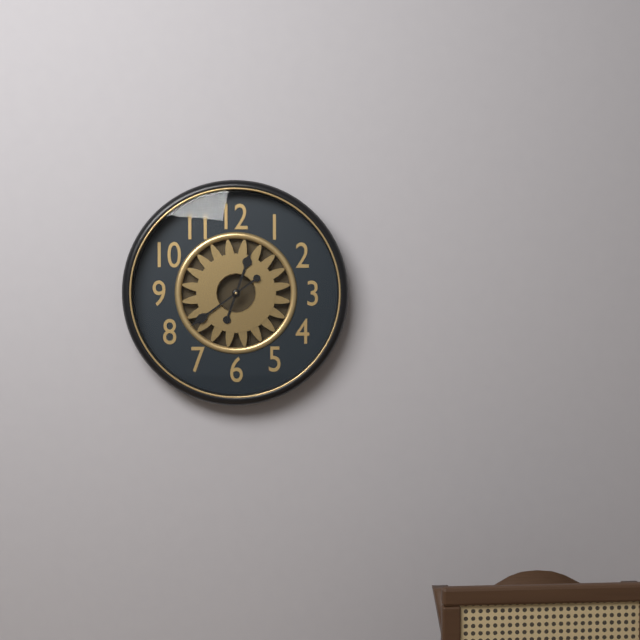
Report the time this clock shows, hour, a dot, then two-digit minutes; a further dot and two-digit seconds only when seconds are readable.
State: 12.39
